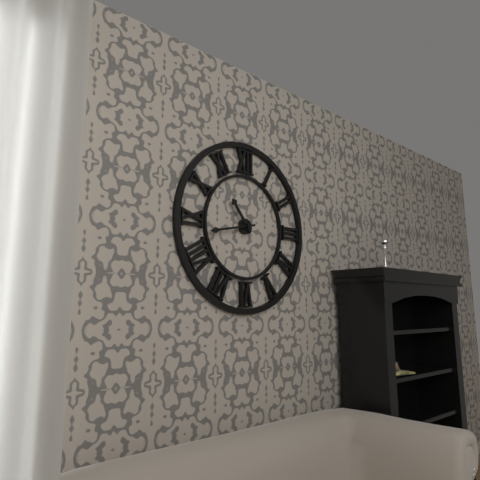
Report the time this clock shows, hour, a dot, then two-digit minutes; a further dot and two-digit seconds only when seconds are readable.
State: 10.43
